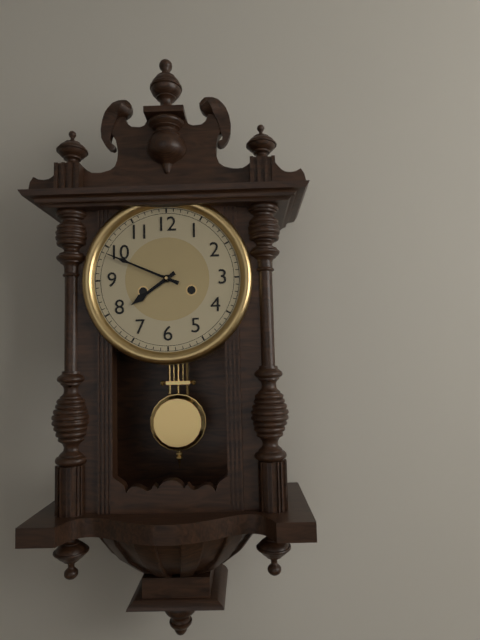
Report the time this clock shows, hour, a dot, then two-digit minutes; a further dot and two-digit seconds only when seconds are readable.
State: 7.49
